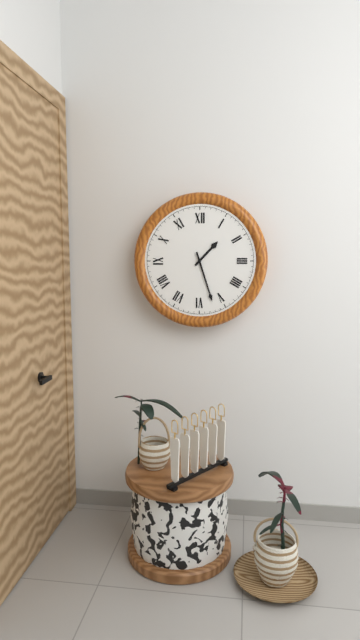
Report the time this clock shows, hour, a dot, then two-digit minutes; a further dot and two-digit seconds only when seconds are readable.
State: 1.27
